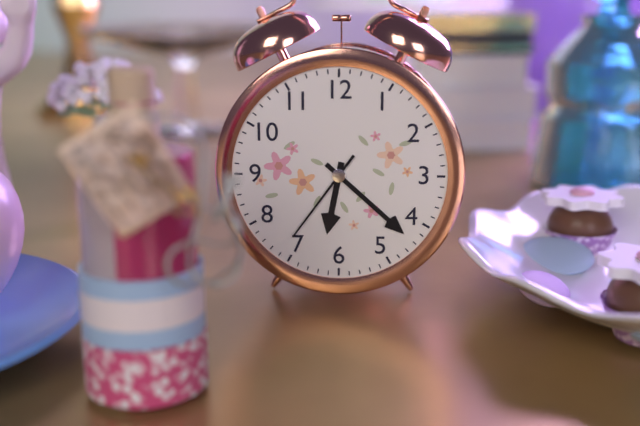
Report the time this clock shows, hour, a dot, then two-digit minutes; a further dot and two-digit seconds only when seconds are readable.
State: 6.22.36
